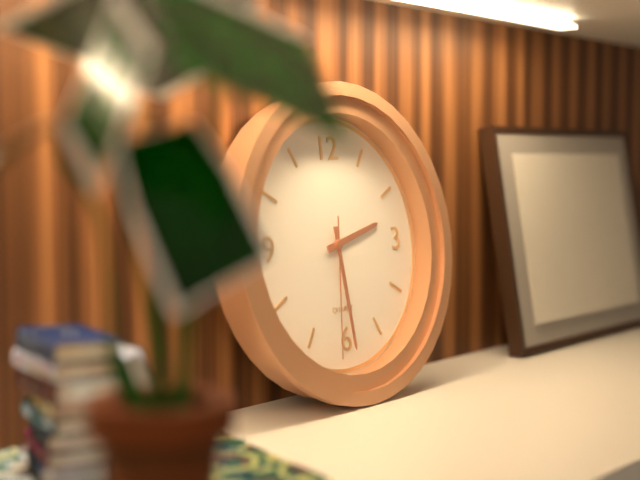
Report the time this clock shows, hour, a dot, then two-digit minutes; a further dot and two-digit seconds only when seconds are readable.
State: 2.29.31
